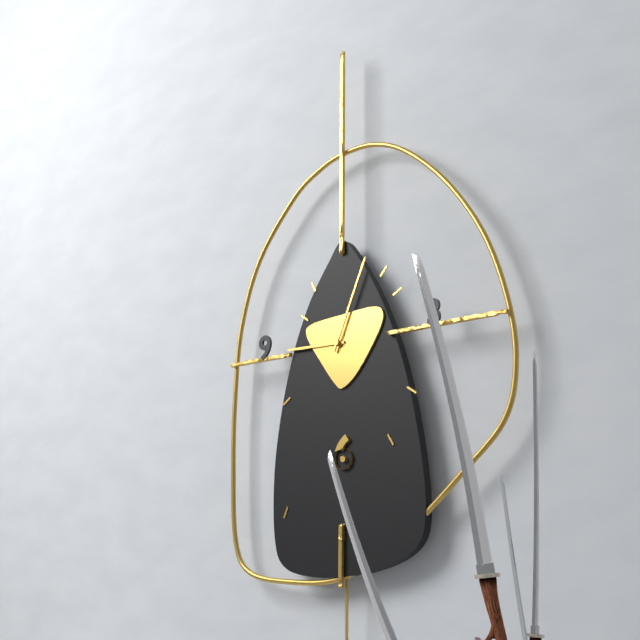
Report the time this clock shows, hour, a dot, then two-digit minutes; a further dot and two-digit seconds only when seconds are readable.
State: 9.04
